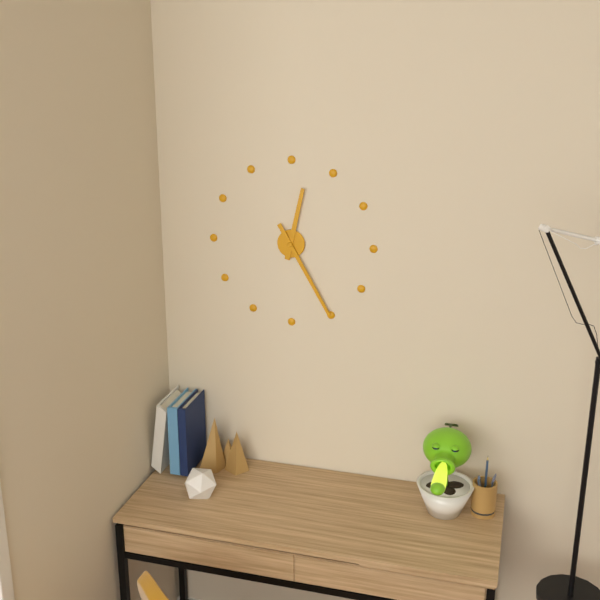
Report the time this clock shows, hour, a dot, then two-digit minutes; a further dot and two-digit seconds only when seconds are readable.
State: 12.25
